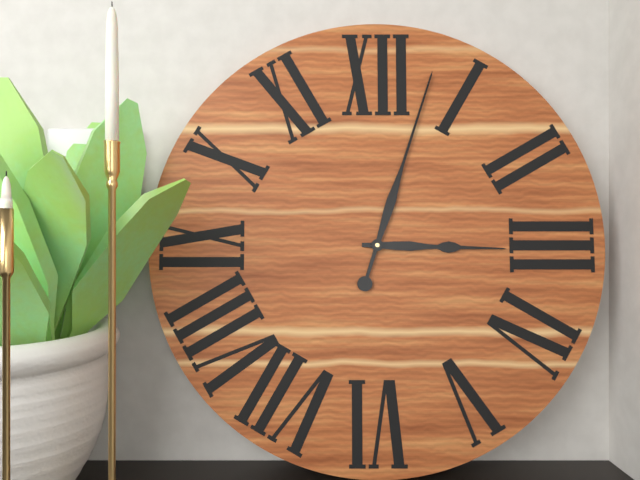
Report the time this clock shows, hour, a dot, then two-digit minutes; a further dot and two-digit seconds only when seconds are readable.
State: 3.03
